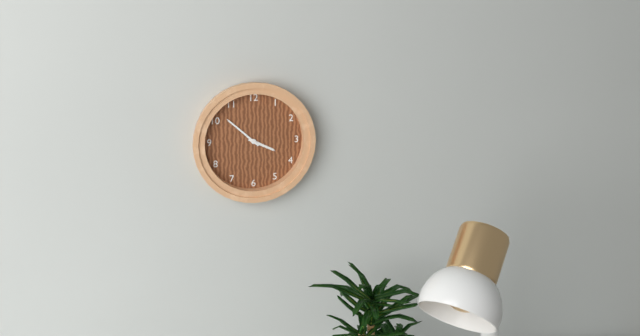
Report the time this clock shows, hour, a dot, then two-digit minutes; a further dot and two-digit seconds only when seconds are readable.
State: 3.52
